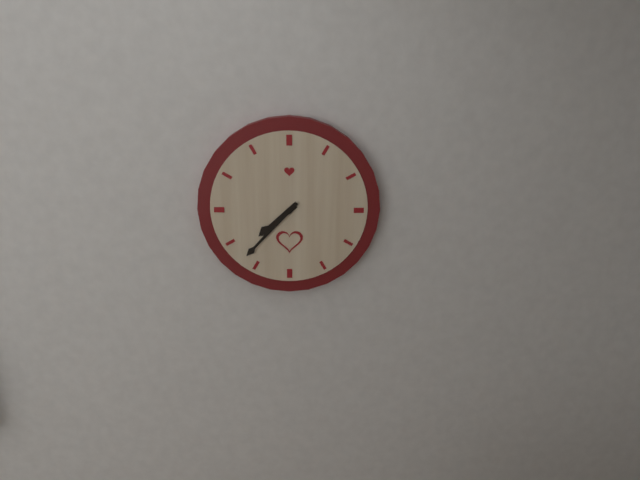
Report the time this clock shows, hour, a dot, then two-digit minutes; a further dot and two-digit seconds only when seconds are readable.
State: 7.37
